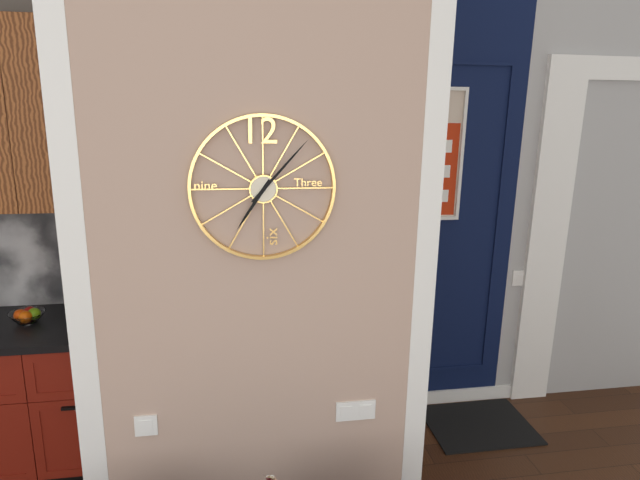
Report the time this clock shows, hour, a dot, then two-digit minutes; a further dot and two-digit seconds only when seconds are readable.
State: 7.07
